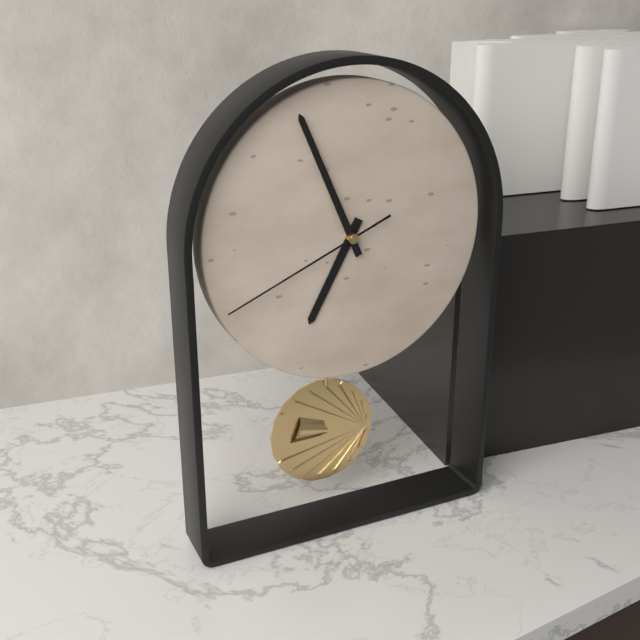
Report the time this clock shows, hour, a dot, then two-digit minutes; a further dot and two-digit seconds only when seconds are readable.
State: 6.56.41
